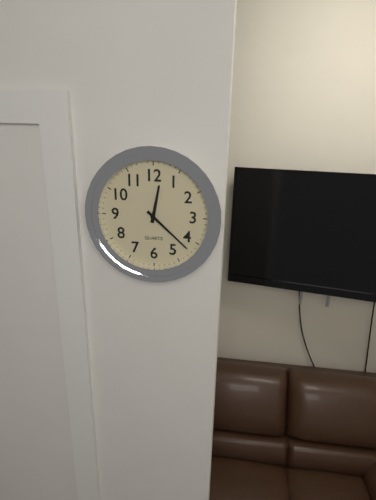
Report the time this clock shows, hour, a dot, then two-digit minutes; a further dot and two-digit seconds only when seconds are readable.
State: 12.22
